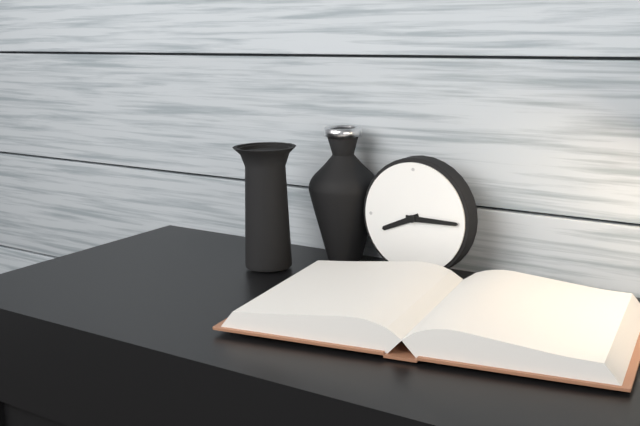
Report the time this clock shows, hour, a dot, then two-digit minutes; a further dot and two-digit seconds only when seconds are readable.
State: 8.15
